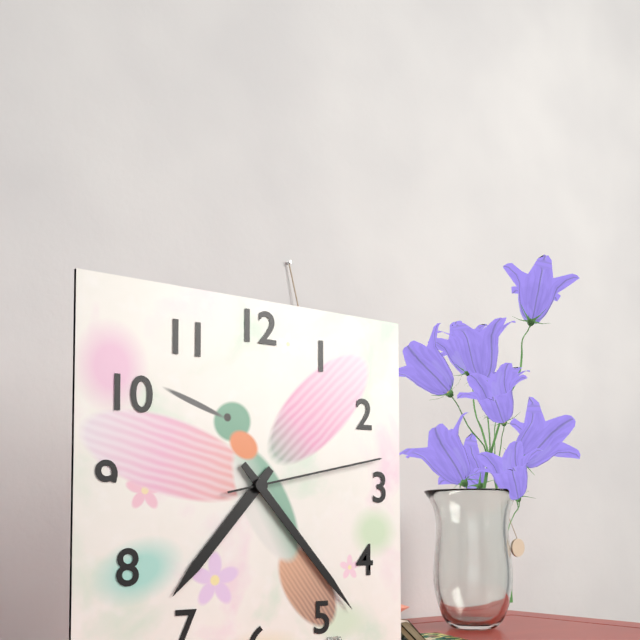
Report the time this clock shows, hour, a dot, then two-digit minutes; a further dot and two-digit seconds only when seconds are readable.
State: 7.23.13
